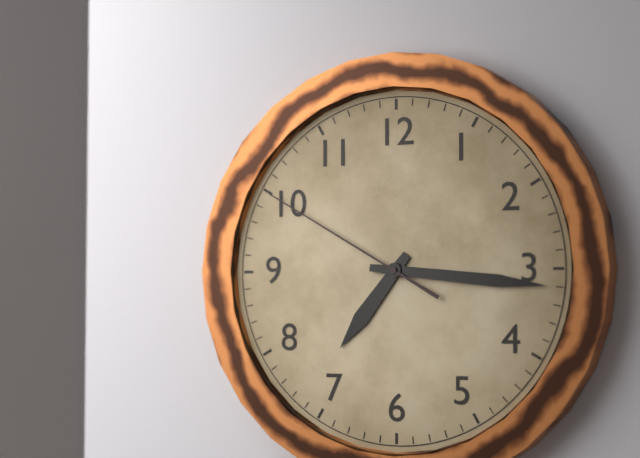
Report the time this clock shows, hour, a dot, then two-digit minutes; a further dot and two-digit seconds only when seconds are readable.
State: 7.16.50
